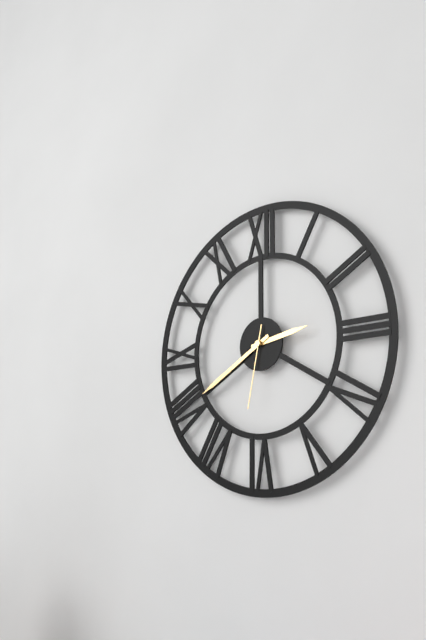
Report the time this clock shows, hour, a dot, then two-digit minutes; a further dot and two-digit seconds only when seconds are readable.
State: 2.40.32
